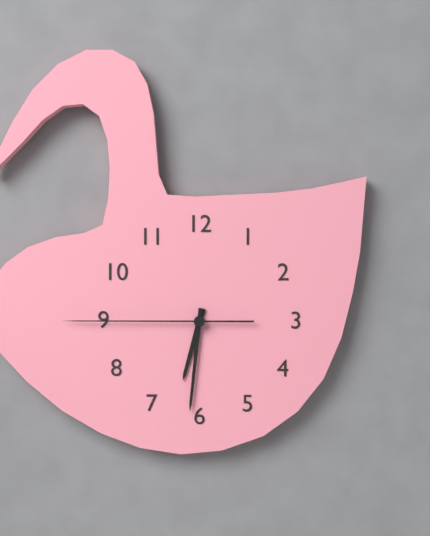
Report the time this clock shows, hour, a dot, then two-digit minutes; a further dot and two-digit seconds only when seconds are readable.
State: 6.31.45
